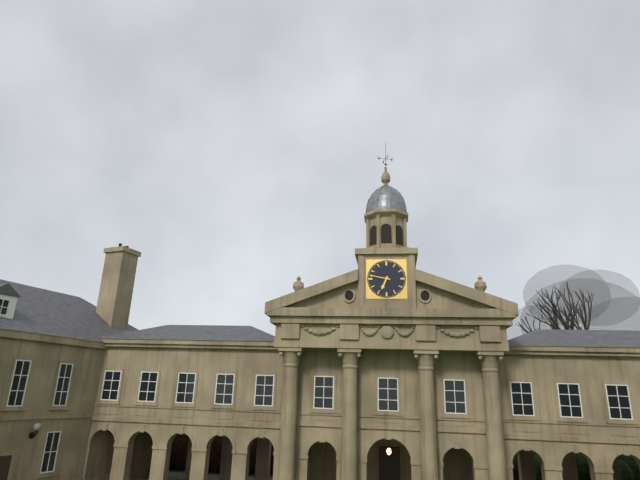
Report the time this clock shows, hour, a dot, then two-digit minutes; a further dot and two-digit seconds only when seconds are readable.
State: 6.47
